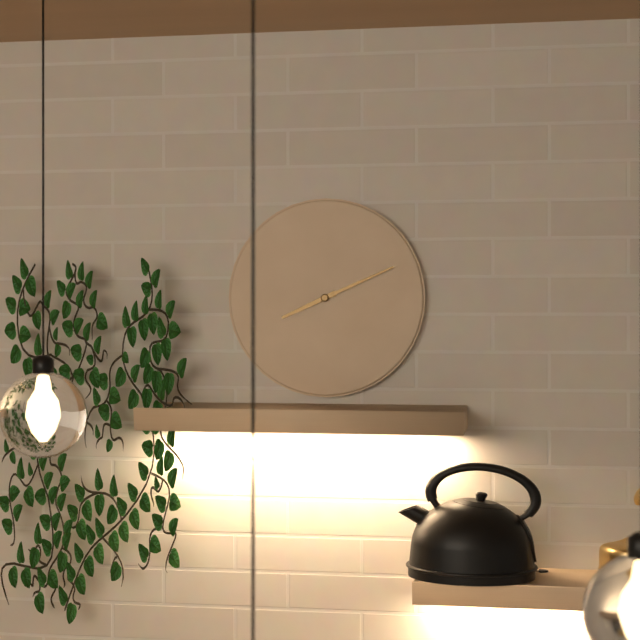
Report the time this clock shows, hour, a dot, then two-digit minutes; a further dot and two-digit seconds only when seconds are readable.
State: 8.11
